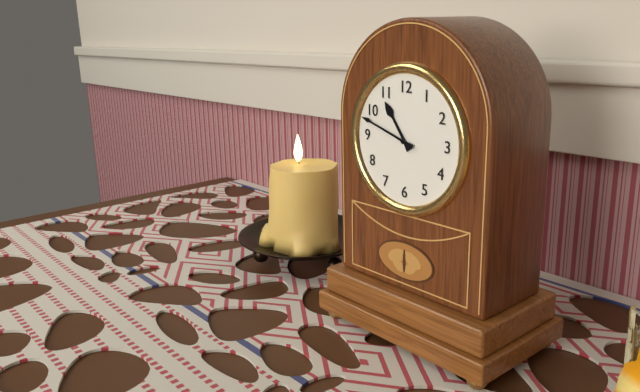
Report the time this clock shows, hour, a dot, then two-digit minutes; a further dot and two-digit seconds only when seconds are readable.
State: 10.48
